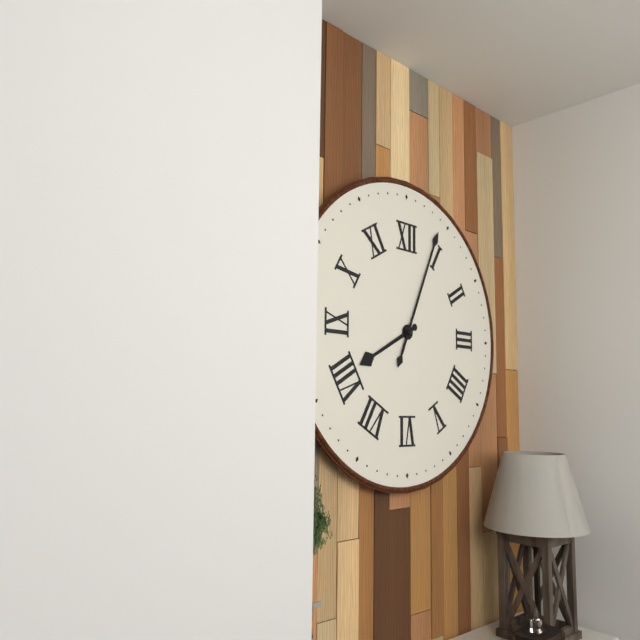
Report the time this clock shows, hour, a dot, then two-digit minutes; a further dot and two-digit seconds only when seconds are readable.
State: 8.04
